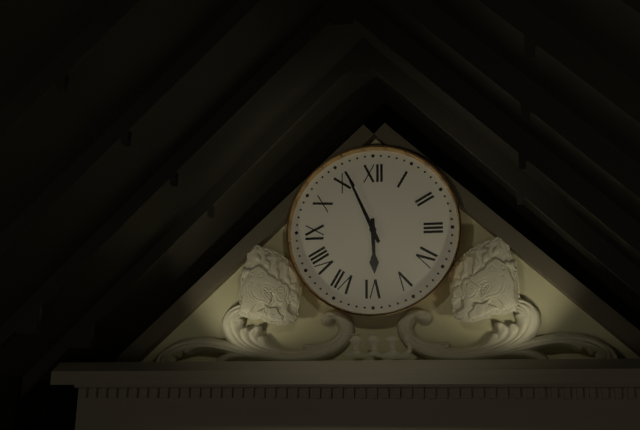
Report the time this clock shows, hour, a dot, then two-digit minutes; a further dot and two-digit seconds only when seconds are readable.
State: 5.56
